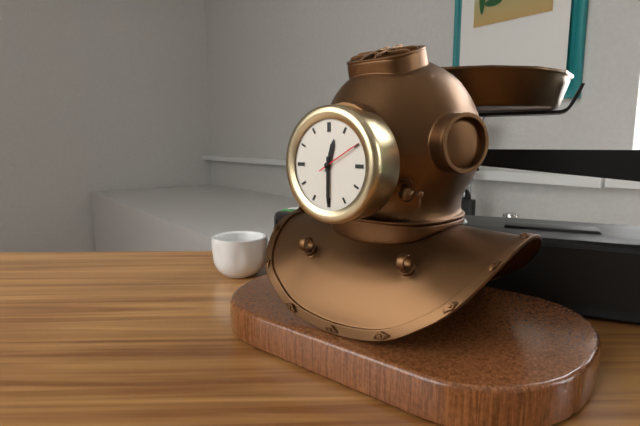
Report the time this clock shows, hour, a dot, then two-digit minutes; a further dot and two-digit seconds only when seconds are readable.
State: 12.30
